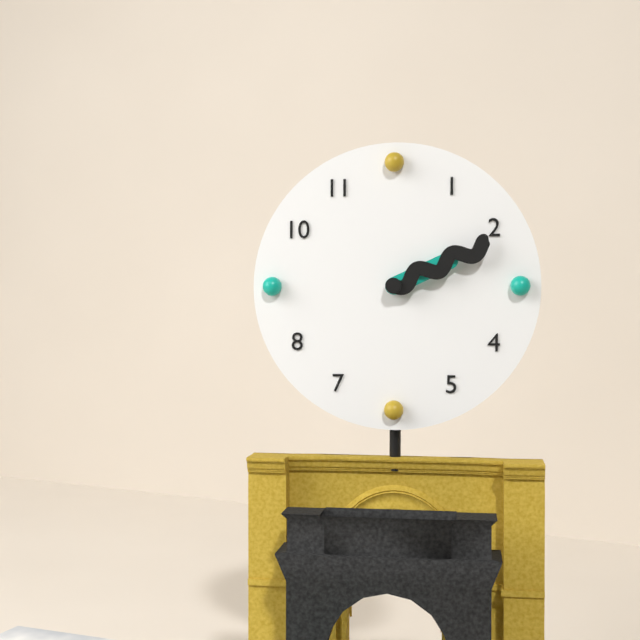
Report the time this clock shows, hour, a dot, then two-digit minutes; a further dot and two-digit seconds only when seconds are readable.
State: 2.11
